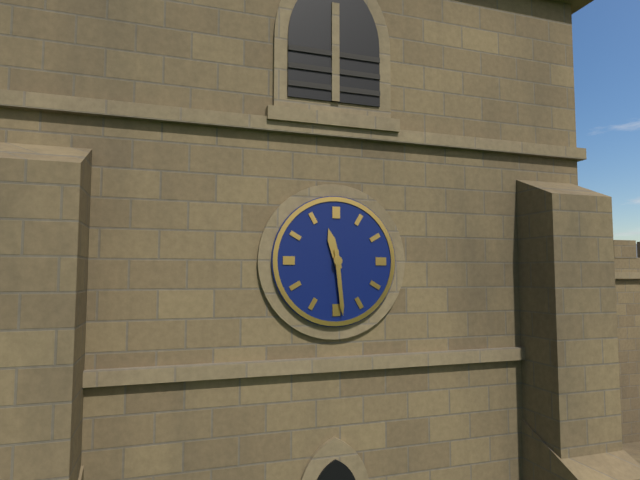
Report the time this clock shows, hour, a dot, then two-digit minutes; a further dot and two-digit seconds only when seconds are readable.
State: 11.29
